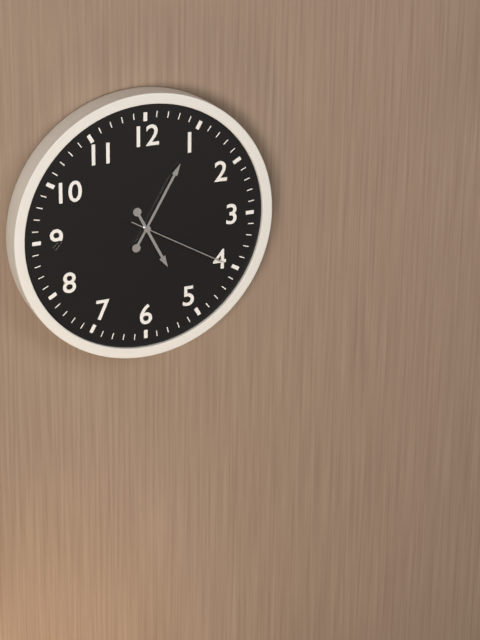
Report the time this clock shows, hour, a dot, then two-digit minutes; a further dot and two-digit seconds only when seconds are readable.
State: 5.05.20
